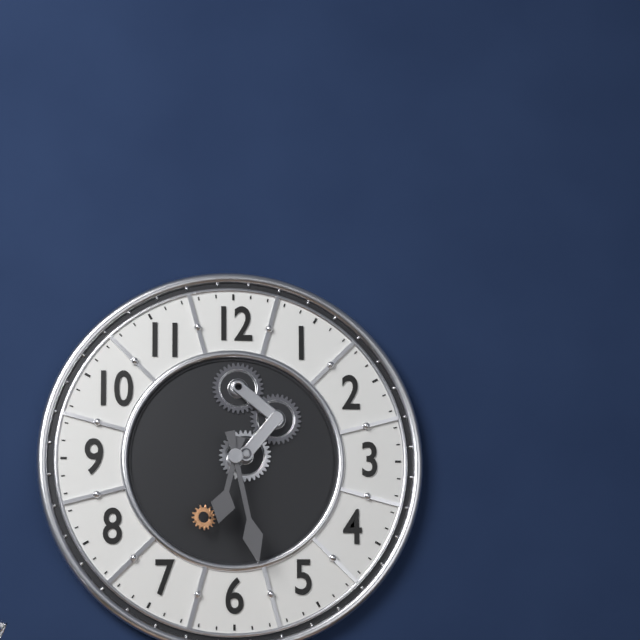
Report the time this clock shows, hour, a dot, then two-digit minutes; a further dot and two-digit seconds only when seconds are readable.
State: 6.28
